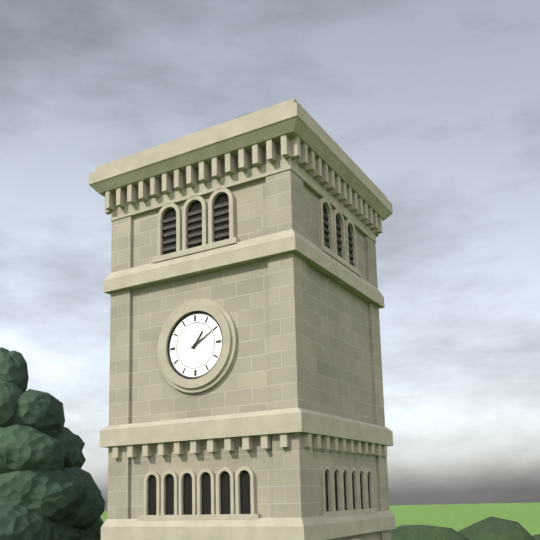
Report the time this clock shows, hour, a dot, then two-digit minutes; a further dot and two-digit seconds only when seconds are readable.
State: 1.10
